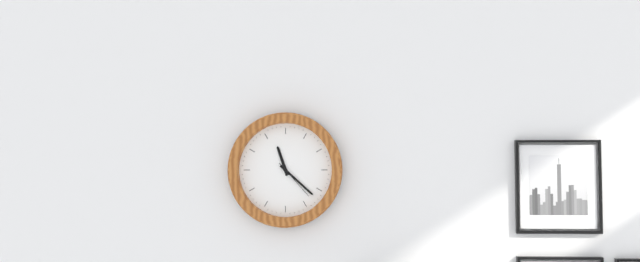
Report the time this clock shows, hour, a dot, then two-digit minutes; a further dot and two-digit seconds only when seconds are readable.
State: 11.22
